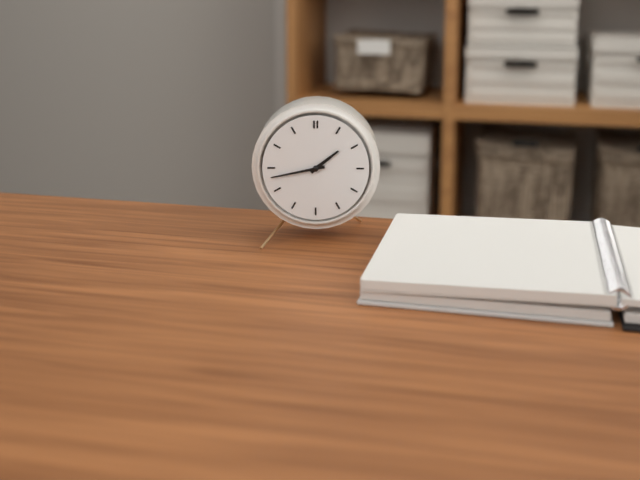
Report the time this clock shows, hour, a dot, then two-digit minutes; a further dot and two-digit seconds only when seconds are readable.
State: 1.43
